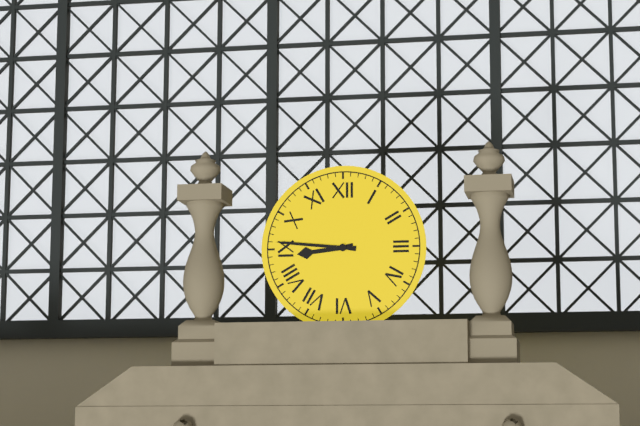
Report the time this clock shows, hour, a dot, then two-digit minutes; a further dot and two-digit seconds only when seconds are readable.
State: 8.46
